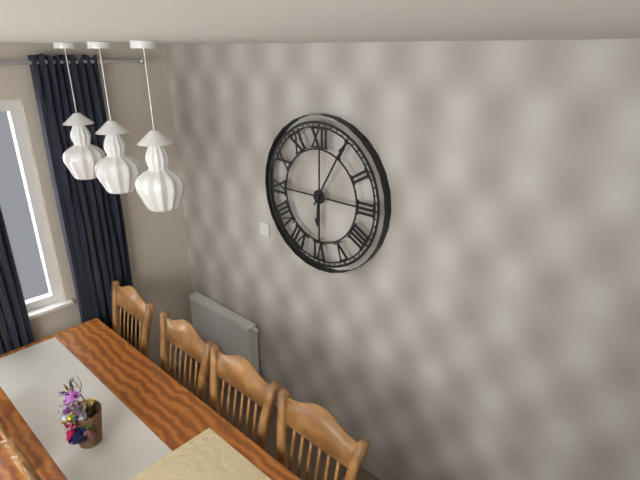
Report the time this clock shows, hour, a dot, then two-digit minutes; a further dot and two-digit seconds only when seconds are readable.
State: 6.05
